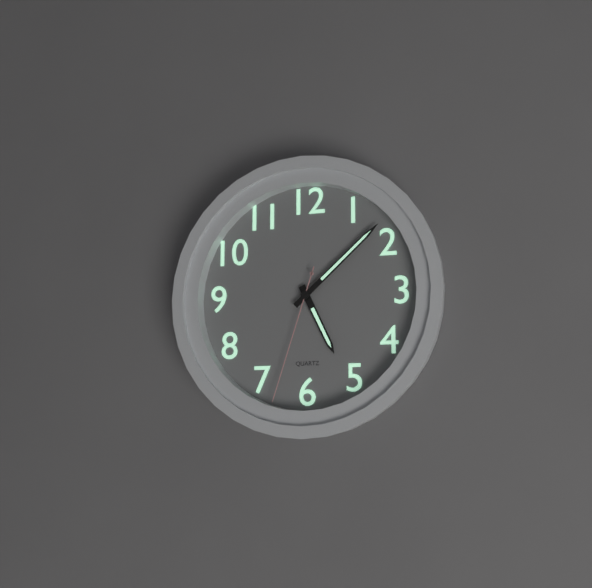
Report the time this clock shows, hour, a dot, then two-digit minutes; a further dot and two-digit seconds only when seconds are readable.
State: 5.08.33
